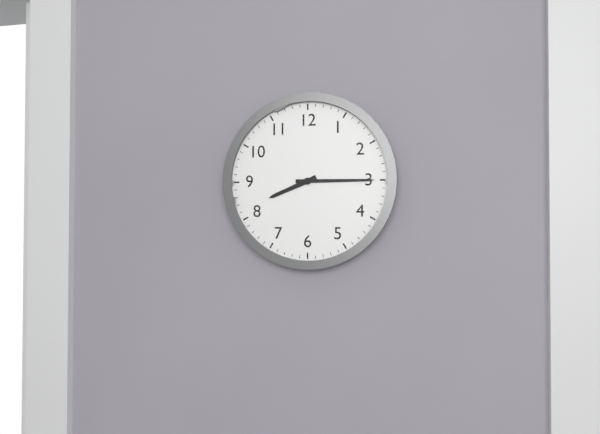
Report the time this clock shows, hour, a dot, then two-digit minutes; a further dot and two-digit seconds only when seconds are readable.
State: 8.15
